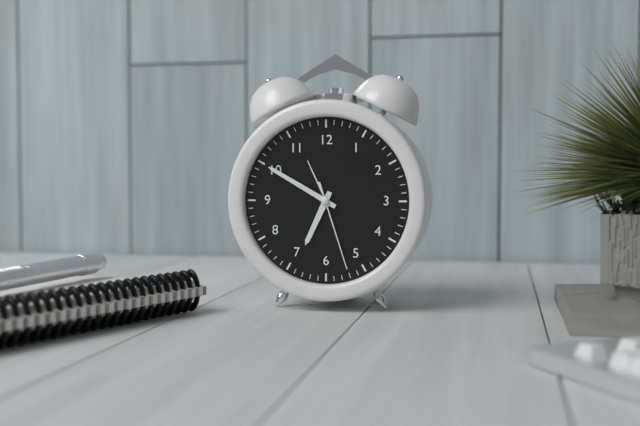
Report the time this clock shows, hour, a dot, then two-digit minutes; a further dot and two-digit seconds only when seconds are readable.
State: 6.50.27
